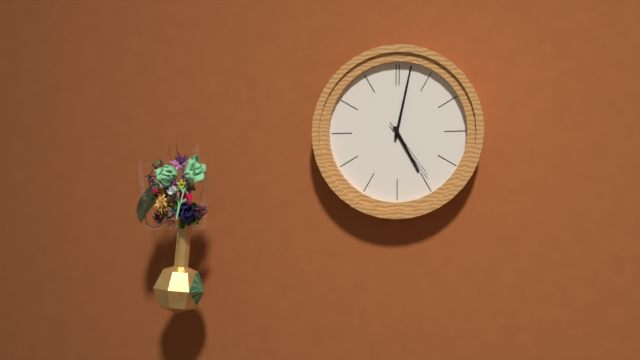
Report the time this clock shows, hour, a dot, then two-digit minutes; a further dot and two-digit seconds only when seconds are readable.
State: 5.02.24
